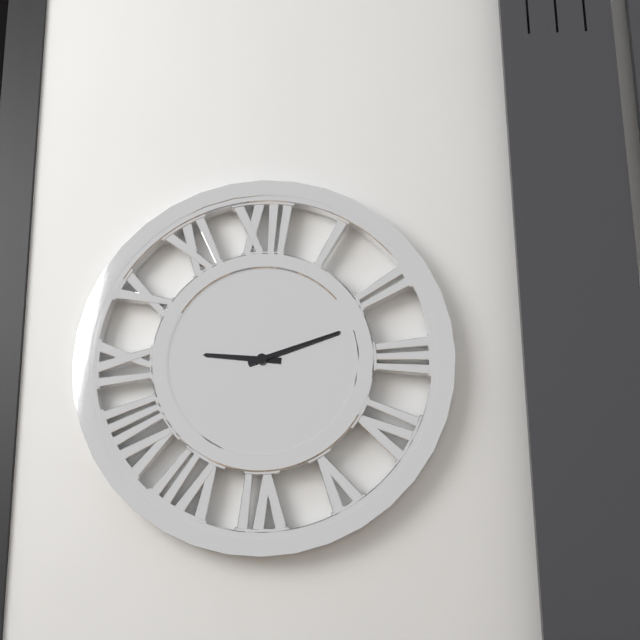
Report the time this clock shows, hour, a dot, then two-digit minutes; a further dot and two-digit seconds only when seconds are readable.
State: 9.12
